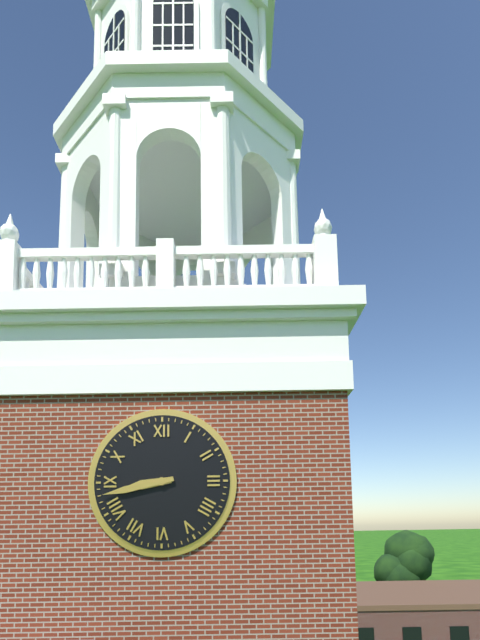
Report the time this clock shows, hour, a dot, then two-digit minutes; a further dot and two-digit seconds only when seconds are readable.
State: 8.43
